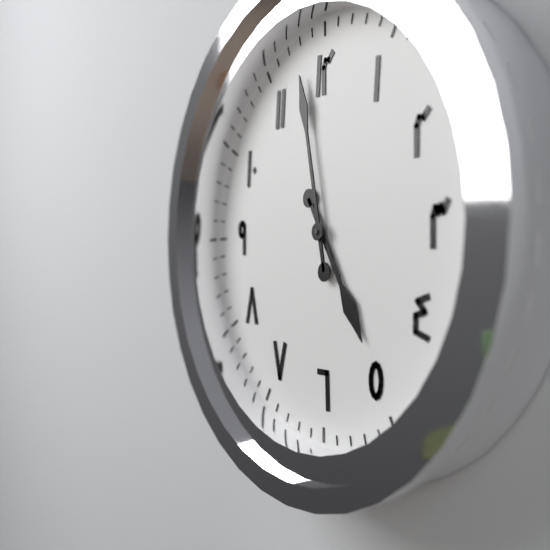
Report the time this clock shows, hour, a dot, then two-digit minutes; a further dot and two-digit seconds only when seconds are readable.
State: 4.58
